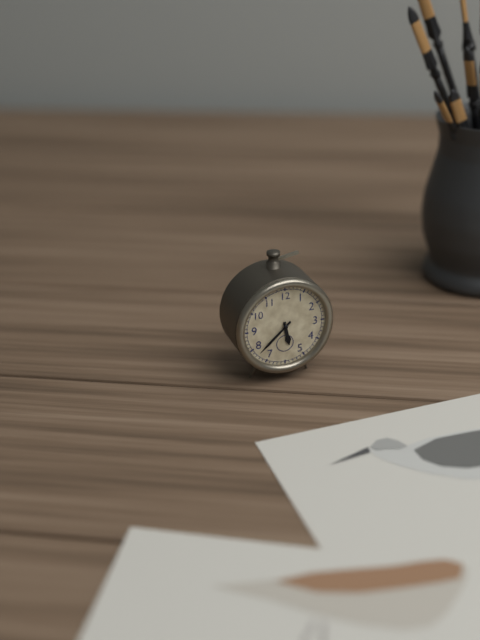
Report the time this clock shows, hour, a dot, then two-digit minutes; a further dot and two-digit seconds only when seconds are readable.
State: 5.38
